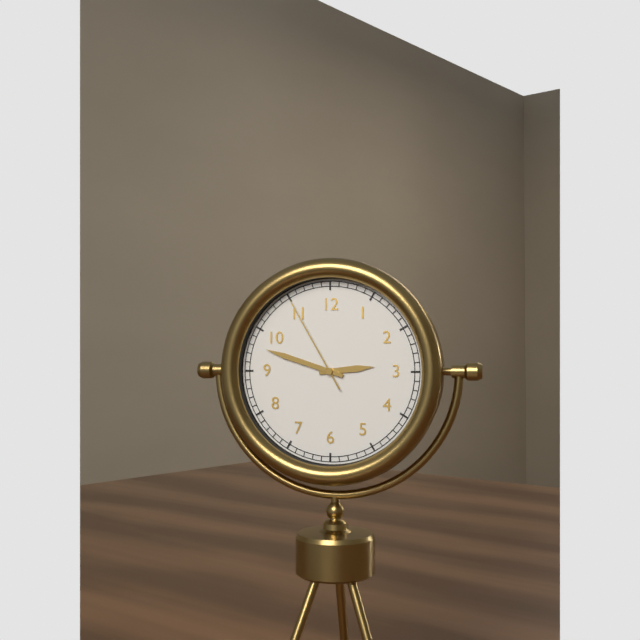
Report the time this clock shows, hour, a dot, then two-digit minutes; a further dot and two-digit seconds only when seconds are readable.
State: 2.48.55
